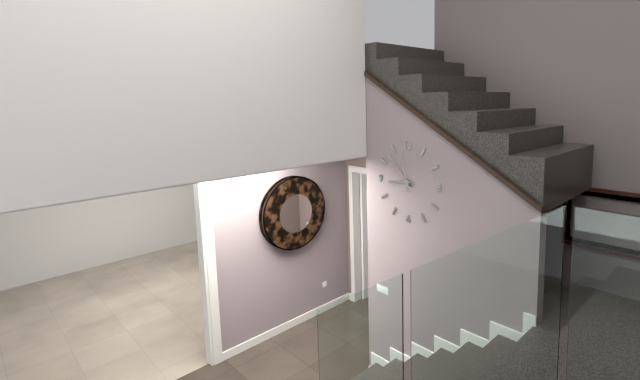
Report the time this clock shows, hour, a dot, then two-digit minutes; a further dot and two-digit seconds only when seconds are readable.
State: 8.53
